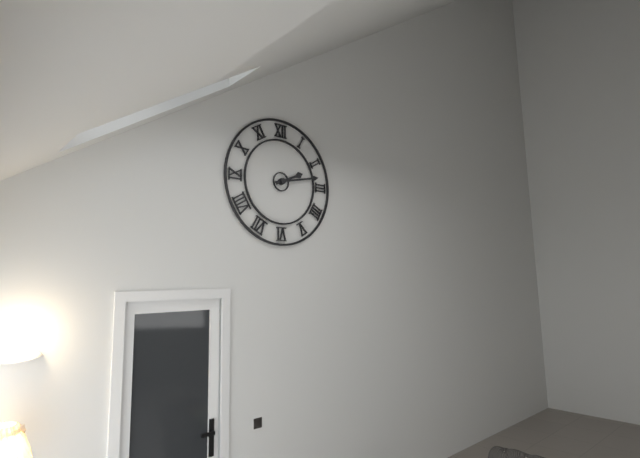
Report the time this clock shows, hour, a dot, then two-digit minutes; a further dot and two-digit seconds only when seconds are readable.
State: 2.13
